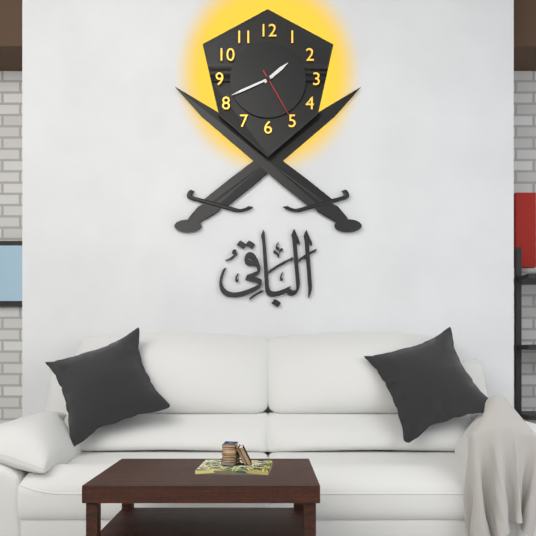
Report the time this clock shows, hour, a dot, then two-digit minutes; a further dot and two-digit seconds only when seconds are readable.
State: 1.41.25
